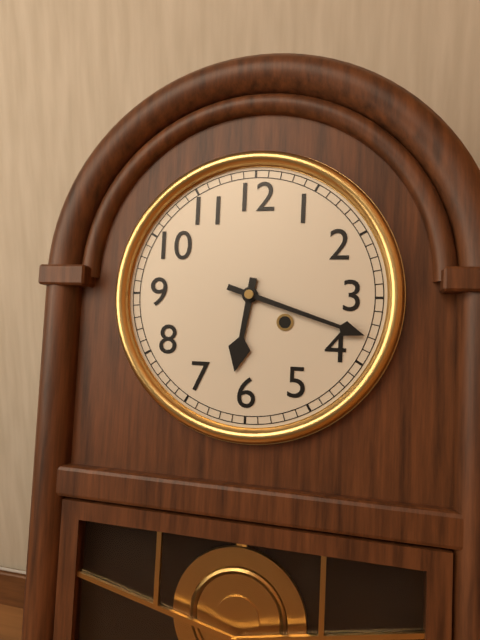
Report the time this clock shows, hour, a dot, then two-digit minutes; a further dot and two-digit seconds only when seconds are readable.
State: 6.18
